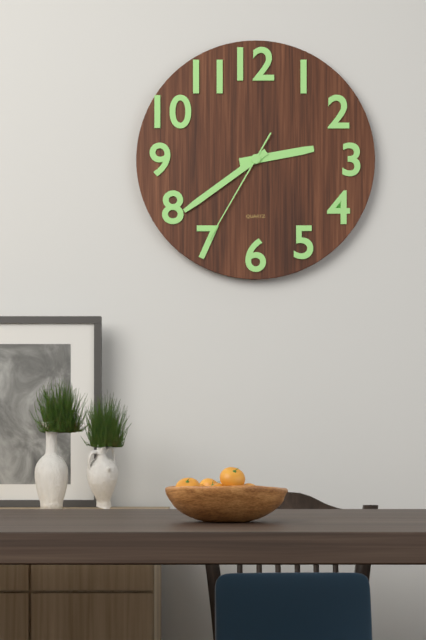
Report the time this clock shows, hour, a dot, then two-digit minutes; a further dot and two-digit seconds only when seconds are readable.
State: 2.39.35
